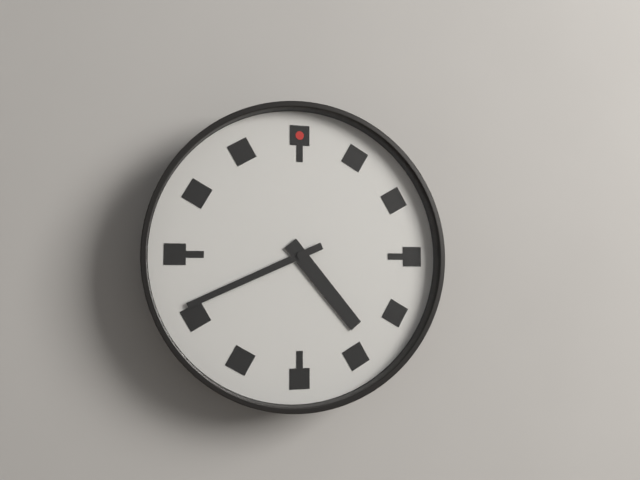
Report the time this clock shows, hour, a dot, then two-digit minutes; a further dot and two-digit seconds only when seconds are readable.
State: 4.41
